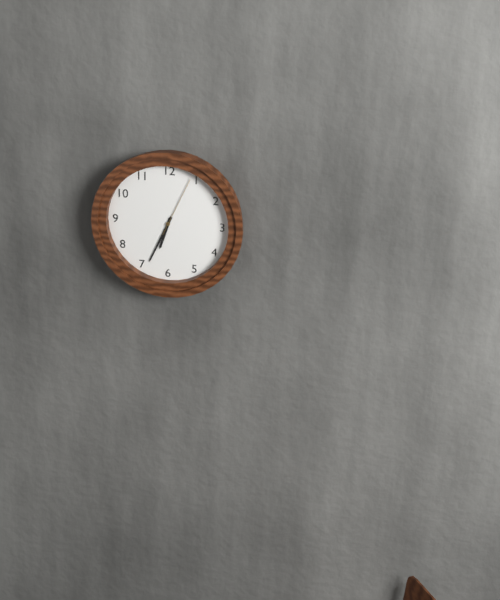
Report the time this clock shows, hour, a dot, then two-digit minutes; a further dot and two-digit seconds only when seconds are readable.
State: 6.34.04
